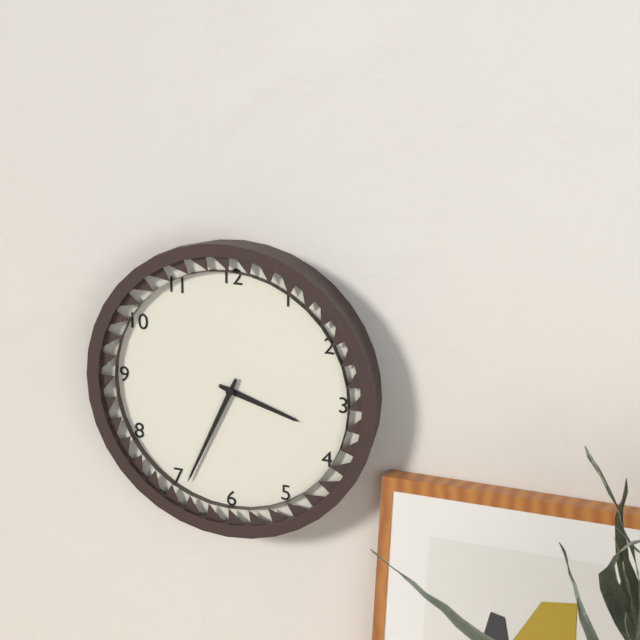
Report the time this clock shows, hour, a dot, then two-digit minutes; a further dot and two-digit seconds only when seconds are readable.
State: 3.34
